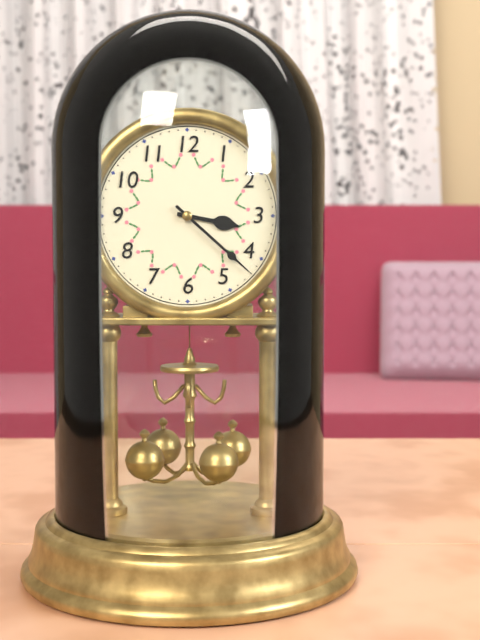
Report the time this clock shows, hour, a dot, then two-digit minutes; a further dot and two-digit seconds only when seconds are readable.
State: 3.22
